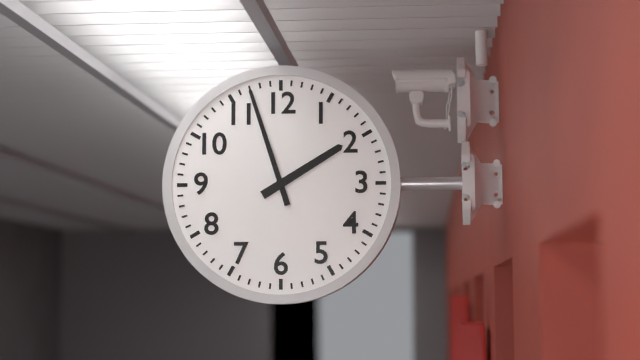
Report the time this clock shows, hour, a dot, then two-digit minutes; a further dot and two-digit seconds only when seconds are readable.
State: 1.57
